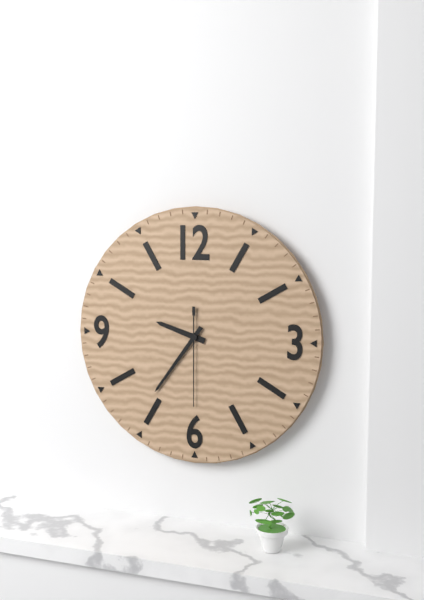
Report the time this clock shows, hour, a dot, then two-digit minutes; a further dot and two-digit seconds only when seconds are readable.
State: 9.36.30
